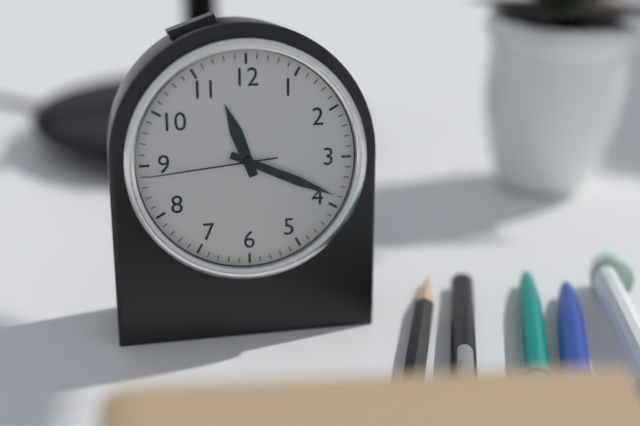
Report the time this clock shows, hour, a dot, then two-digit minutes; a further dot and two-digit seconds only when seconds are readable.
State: 11.19.44
